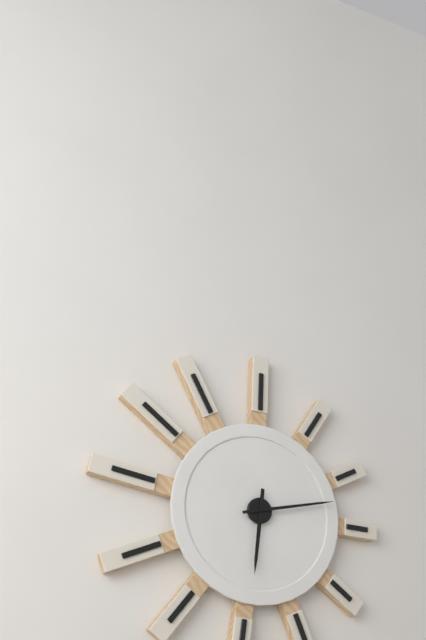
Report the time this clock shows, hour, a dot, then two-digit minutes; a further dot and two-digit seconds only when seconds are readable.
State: 6.13
